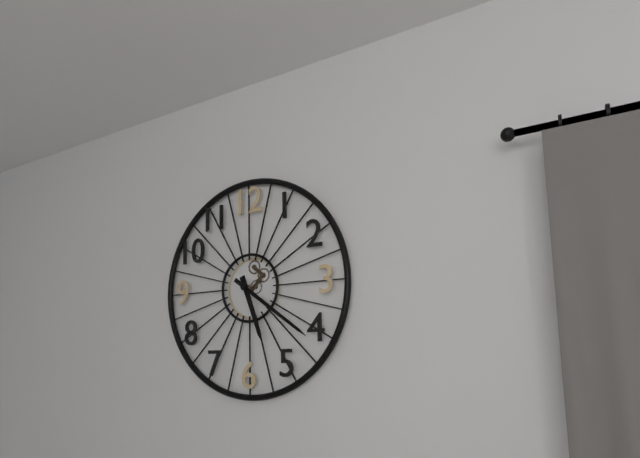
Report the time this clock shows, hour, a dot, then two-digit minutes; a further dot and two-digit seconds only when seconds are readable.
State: 5.21
